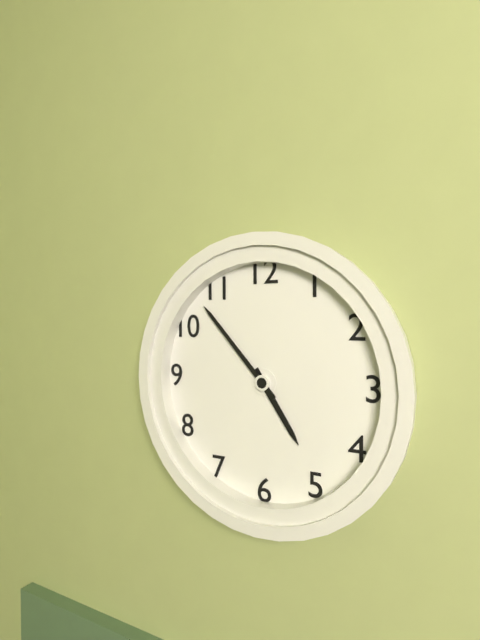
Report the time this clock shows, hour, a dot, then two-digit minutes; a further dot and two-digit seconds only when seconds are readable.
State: 4.53
